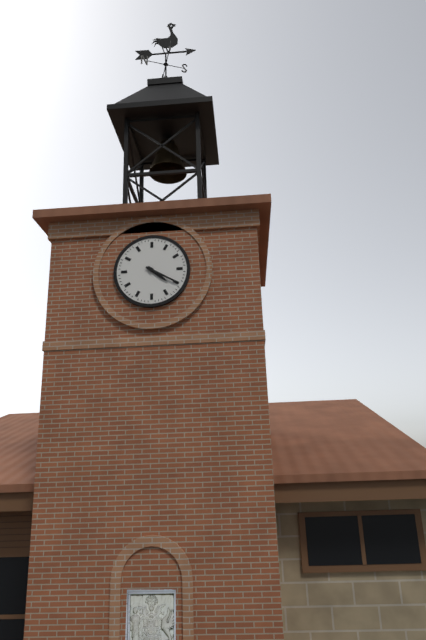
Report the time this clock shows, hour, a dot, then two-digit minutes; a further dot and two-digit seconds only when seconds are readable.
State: 4.20
